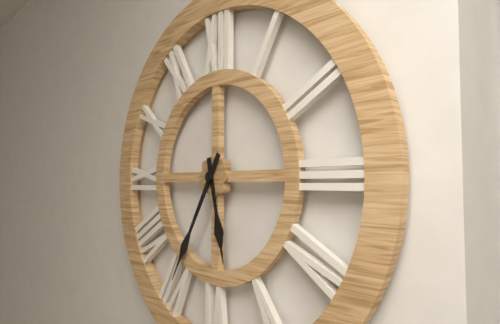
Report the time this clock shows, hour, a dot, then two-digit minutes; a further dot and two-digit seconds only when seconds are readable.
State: 5.35
